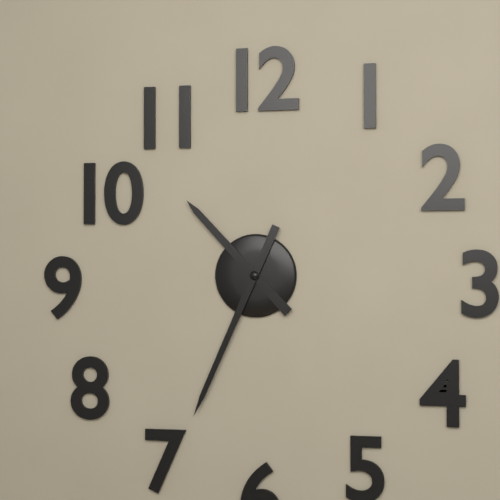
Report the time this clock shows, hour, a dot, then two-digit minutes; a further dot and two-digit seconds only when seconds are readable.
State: 10.34
